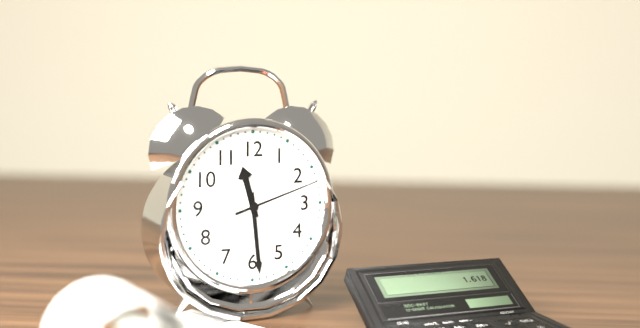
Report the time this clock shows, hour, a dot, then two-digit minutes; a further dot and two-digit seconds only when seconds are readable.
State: 11.29.12
